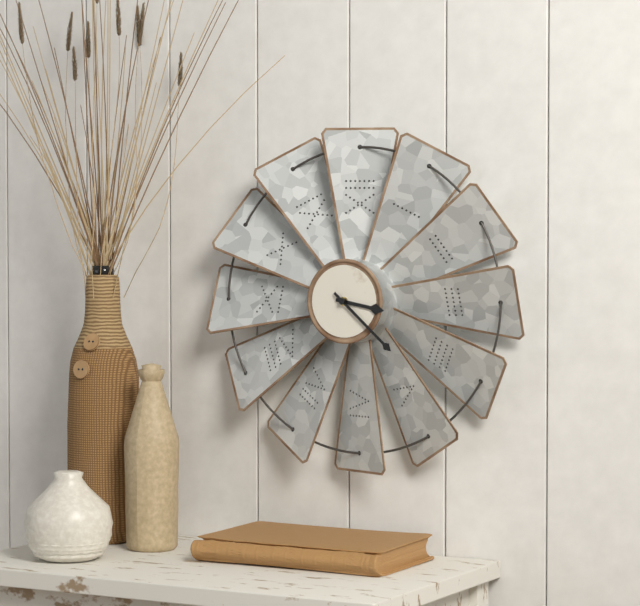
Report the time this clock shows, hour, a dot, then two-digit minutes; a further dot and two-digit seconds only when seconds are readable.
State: 3.22
